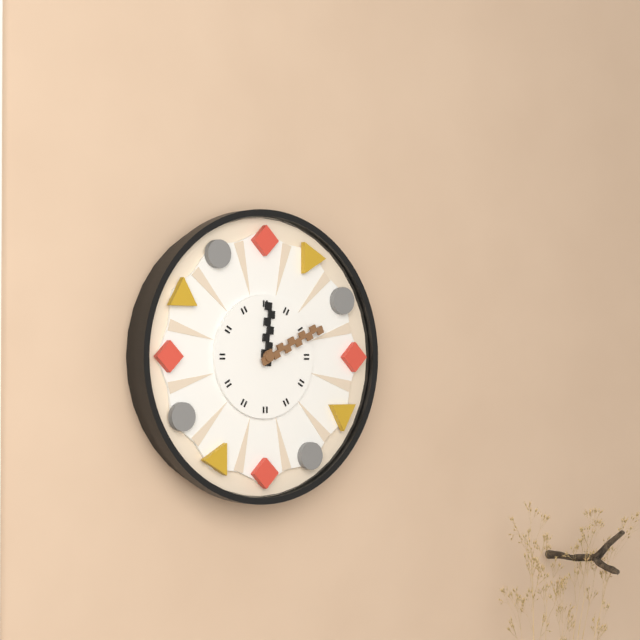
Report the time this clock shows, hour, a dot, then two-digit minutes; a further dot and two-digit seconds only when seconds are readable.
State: 12.11
